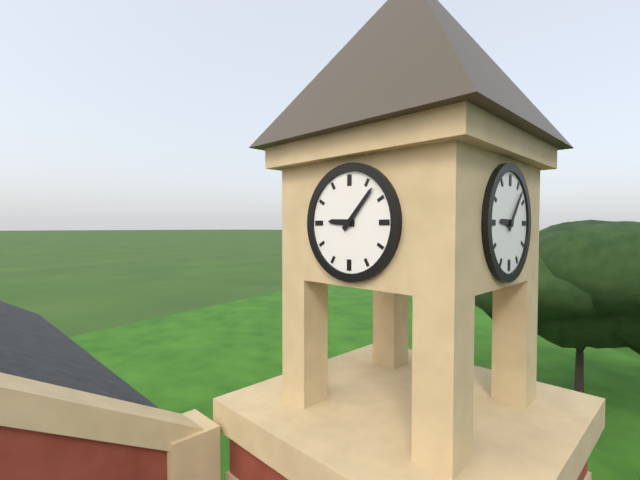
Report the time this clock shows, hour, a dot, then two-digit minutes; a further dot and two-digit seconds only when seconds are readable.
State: 9.07
